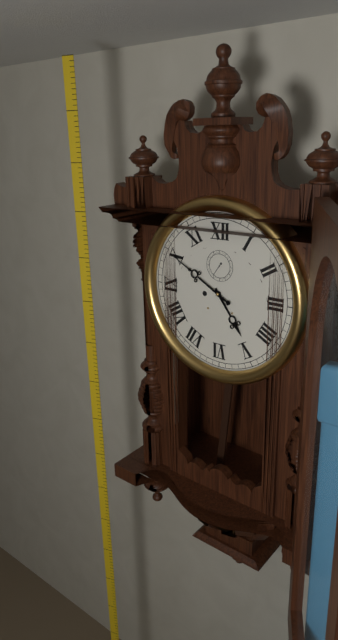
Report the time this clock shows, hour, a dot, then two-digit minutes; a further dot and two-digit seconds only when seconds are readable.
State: 4.50
